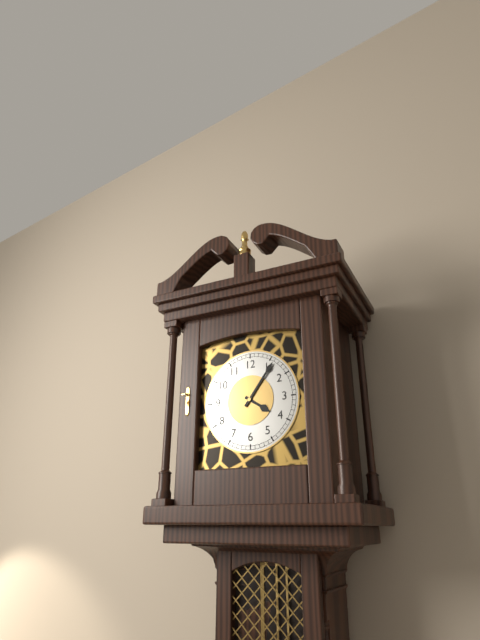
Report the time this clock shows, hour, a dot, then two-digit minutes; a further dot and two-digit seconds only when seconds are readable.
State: 4.06
